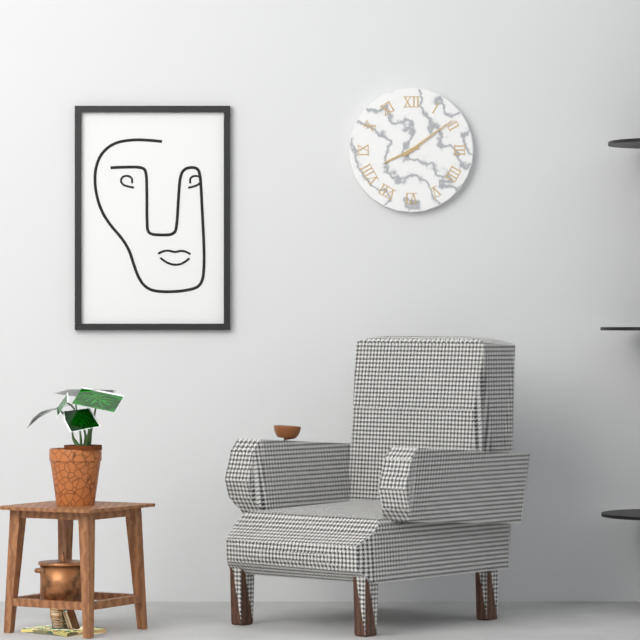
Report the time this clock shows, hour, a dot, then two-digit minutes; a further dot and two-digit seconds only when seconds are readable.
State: 8.09
